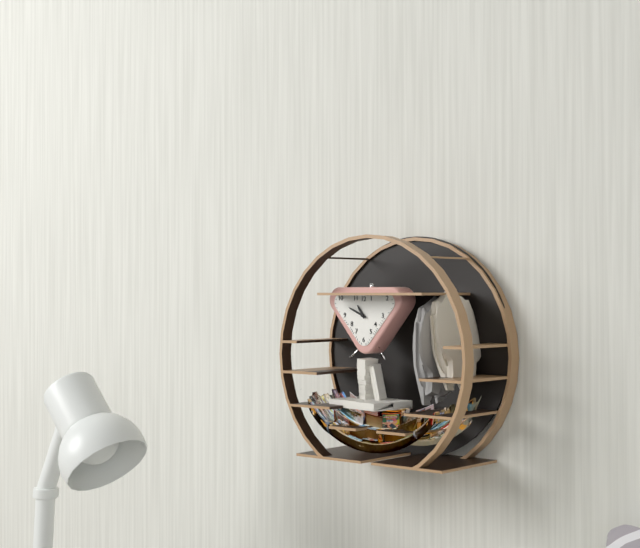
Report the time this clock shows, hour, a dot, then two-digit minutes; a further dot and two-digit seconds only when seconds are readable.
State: 10.49
